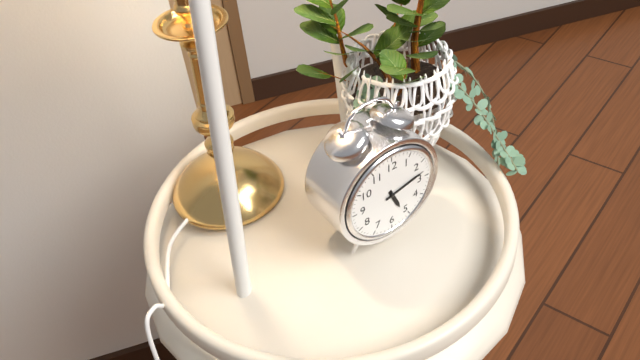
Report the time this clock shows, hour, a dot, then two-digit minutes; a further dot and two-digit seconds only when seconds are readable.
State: 5.13
